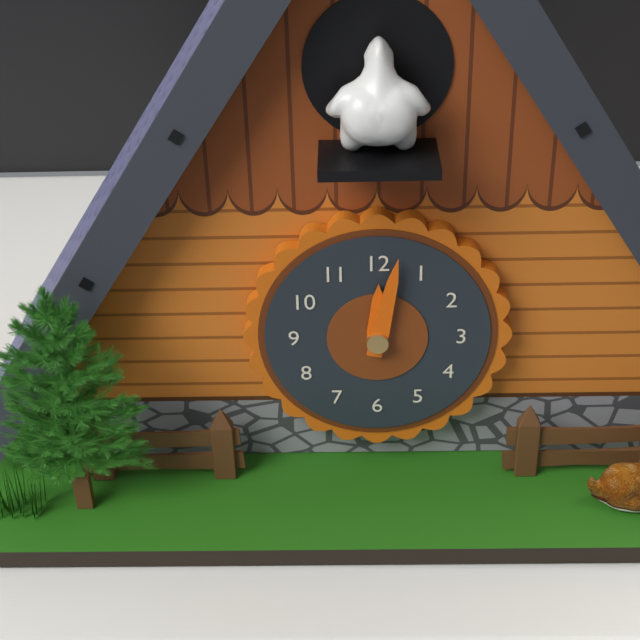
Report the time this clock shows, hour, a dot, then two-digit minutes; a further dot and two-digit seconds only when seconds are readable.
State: 12.02
